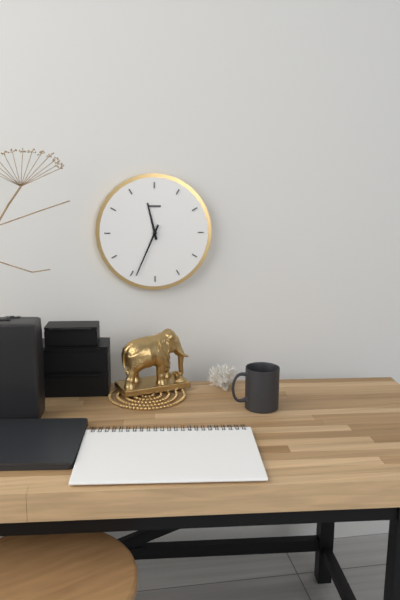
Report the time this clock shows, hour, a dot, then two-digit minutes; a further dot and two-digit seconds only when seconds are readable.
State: 11.34
